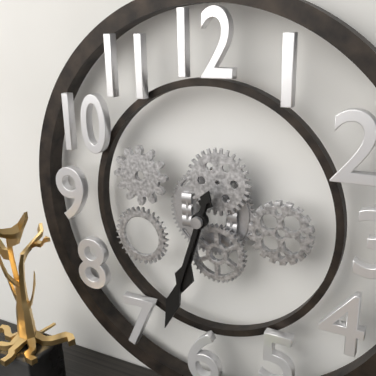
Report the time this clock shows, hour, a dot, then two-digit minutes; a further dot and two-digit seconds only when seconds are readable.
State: 6.33
